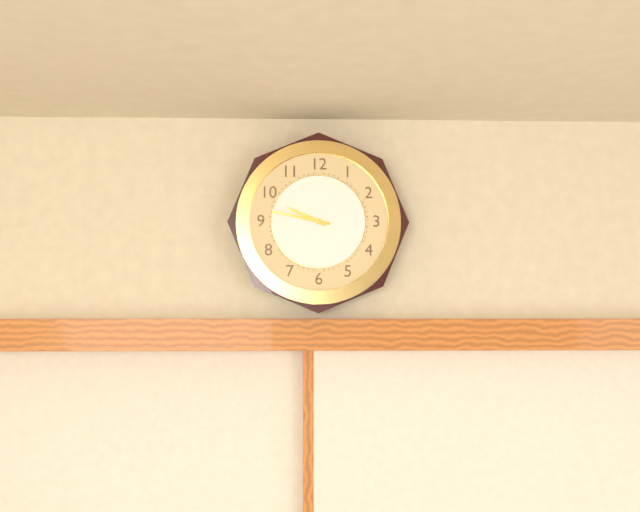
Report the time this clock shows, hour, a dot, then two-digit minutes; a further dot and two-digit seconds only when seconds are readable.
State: 9.47
